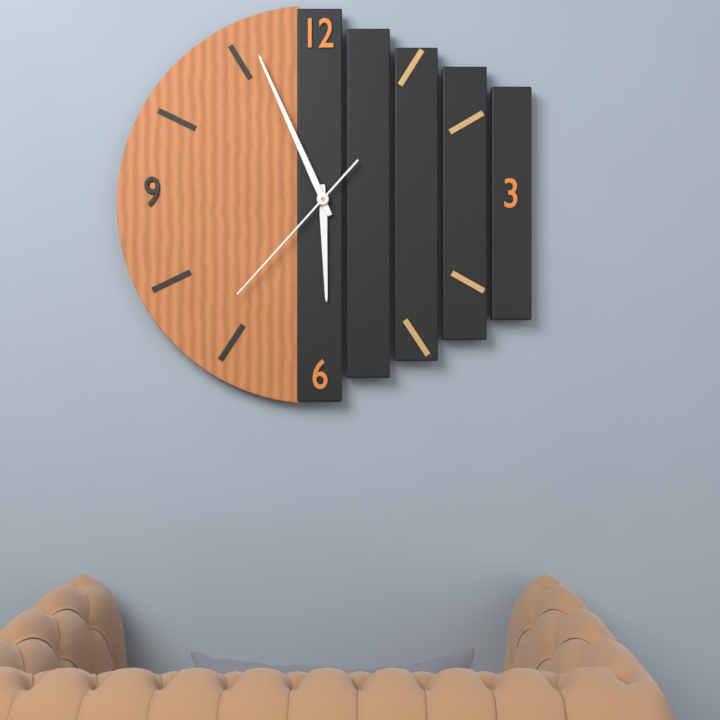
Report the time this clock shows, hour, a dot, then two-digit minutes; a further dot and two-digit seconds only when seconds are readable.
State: 5.56.37
